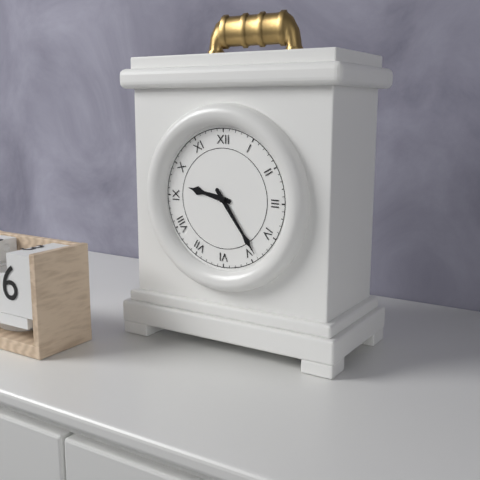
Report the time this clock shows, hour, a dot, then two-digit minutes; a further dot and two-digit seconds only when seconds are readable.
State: 9.24
